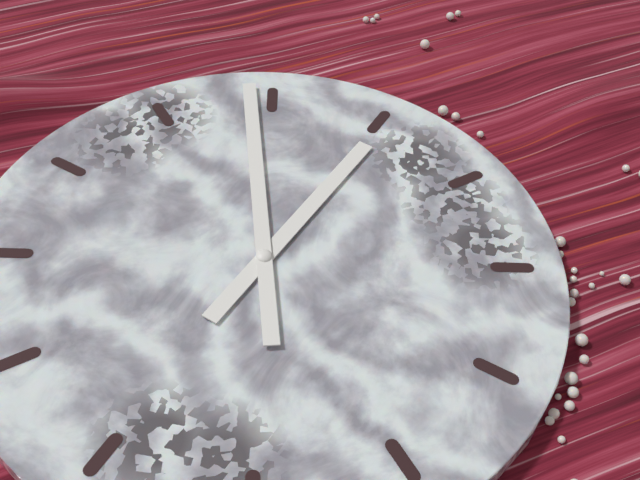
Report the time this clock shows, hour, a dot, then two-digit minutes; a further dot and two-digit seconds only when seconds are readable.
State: 2.04
